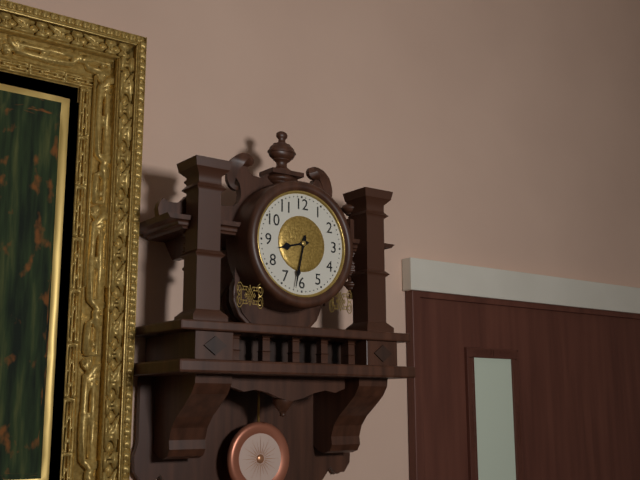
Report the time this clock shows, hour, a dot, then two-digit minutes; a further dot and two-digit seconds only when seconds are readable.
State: 8.32
